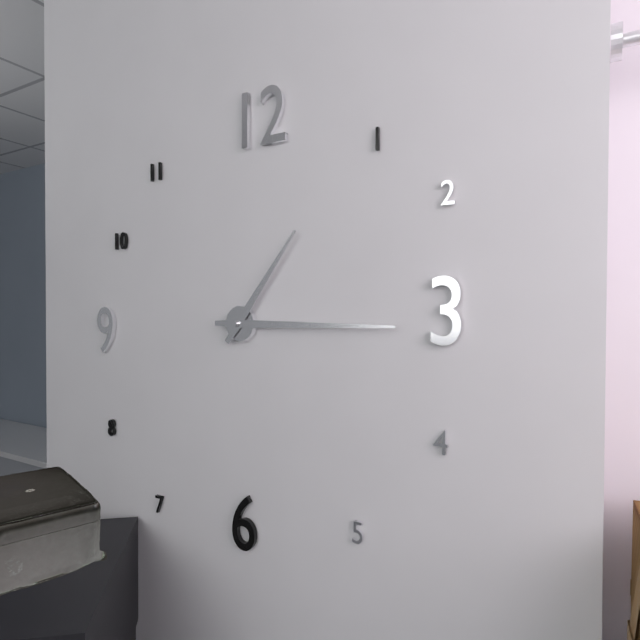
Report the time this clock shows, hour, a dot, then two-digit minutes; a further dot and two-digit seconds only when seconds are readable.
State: 1.15
